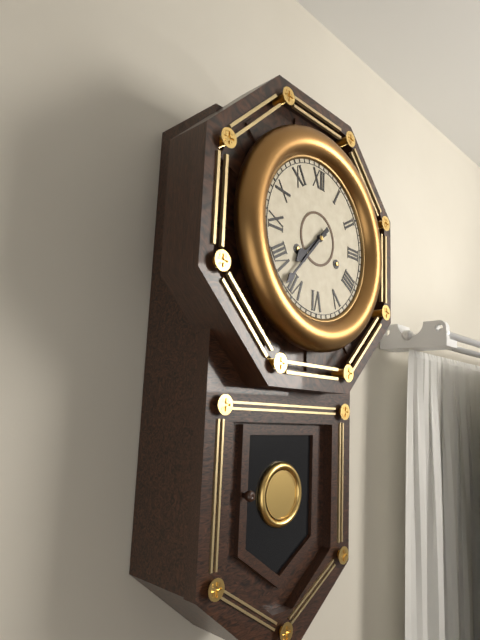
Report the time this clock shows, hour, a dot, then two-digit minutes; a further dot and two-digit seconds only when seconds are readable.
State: 7.37
